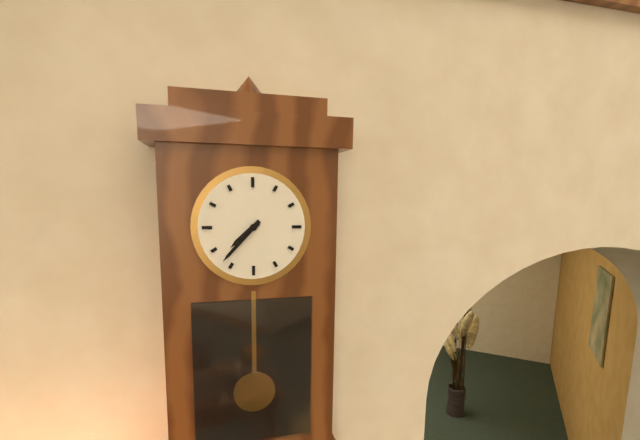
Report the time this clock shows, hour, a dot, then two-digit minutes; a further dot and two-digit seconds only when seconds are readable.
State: 7.37
